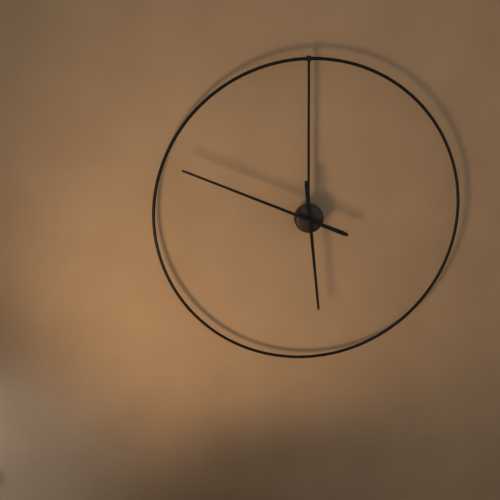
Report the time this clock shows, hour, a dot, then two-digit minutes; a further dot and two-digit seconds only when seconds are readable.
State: 5.49
